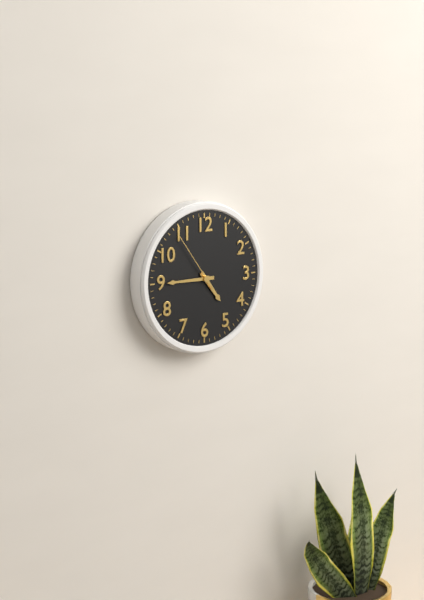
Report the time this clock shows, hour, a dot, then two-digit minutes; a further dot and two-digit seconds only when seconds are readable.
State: 4.45.54
